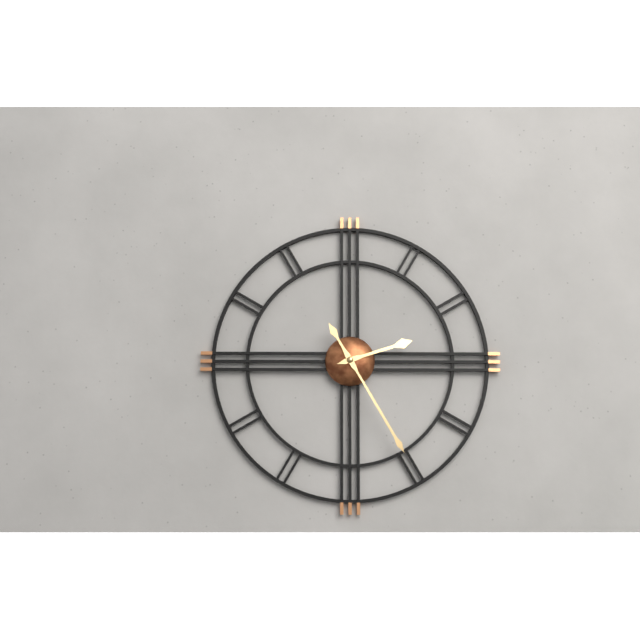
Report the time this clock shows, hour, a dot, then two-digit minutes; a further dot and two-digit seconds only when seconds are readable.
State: 2.25
